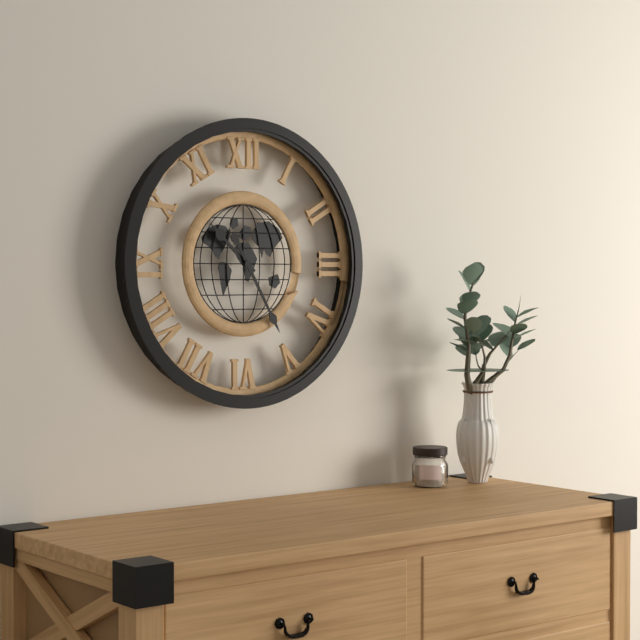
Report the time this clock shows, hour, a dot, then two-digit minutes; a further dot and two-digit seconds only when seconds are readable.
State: 10.25
